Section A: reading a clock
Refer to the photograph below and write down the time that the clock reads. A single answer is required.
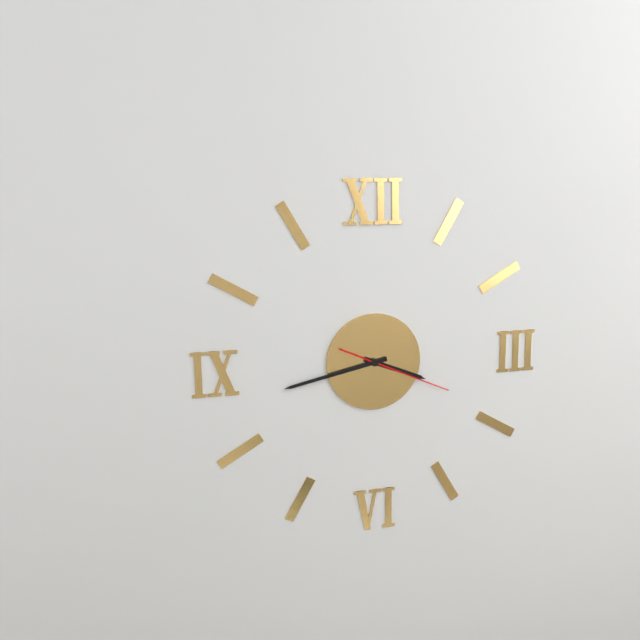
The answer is 3:43:19
